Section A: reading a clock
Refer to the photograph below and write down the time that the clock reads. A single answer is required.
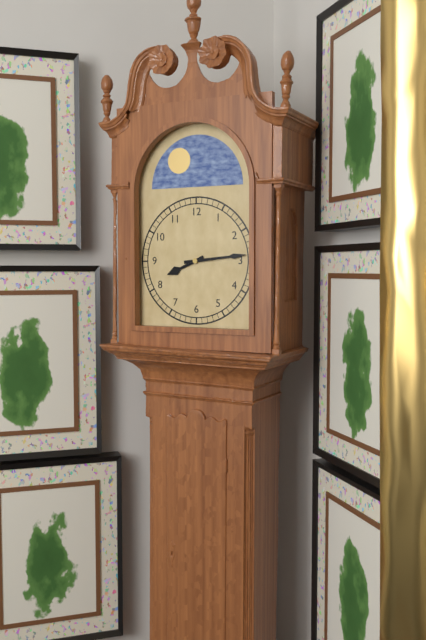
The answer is 8:14
